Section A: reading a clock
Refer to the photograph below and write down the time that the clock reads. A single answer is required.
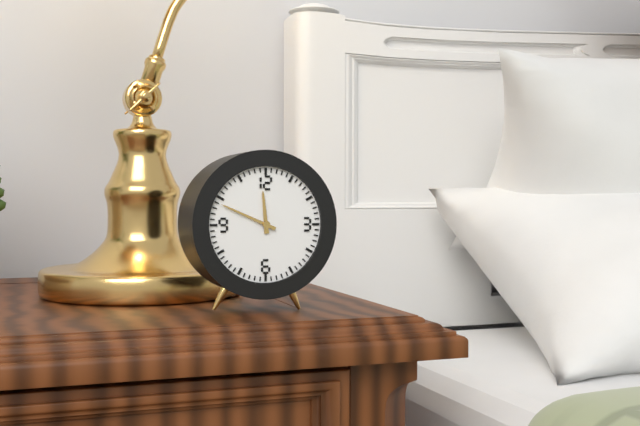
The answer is 11:49
